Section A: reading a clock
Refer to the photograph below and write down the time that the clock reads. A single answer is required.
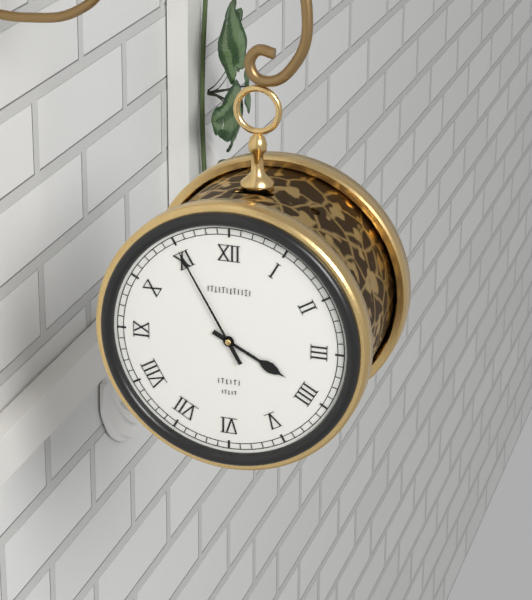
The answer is 3:55
